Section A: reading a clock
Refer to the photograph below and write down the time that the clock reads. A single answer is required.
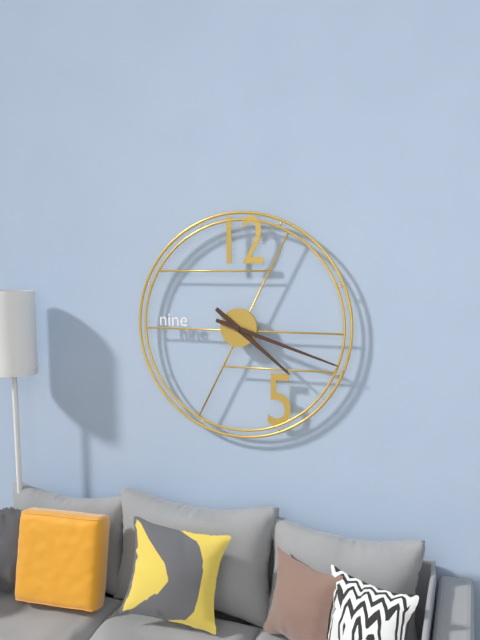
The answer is 4:18
